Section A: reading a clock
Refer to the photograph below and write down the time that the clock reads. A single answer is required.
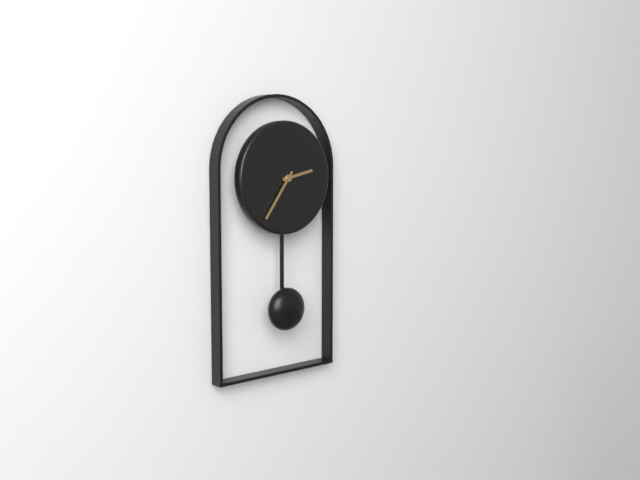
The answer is 2:36
